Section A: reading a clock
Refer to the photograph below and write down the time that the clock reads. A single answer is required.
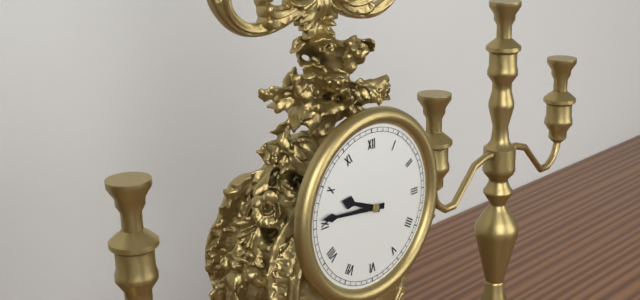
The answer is 9:46
